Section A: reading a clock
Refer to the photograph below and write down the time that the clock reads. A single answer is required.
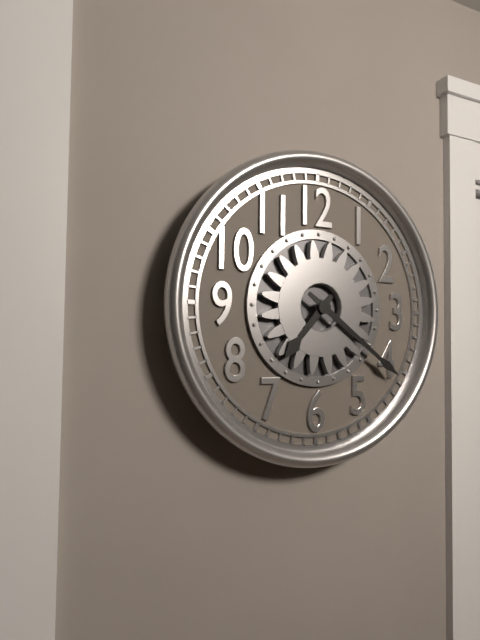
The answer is 7:21
